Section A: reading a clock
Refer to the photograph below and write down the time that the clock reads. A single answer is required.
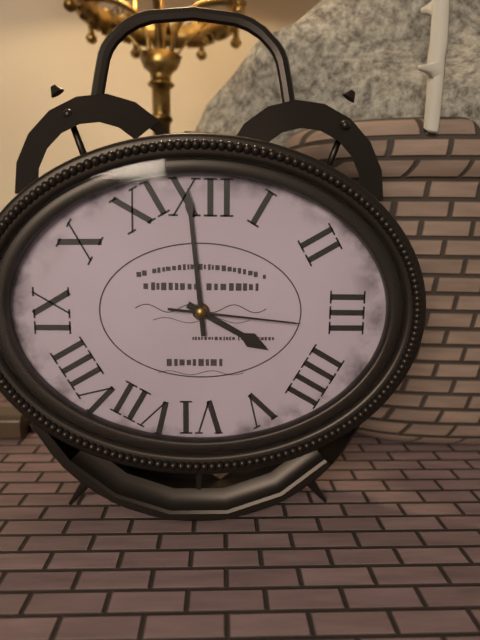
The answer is 3:59:16
